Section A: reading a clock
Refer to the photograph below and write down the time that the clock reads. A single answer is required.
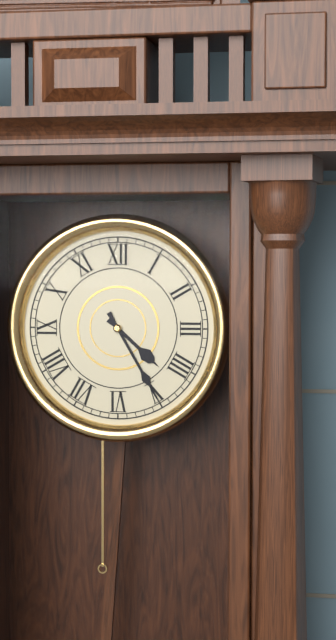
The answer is 4:25
